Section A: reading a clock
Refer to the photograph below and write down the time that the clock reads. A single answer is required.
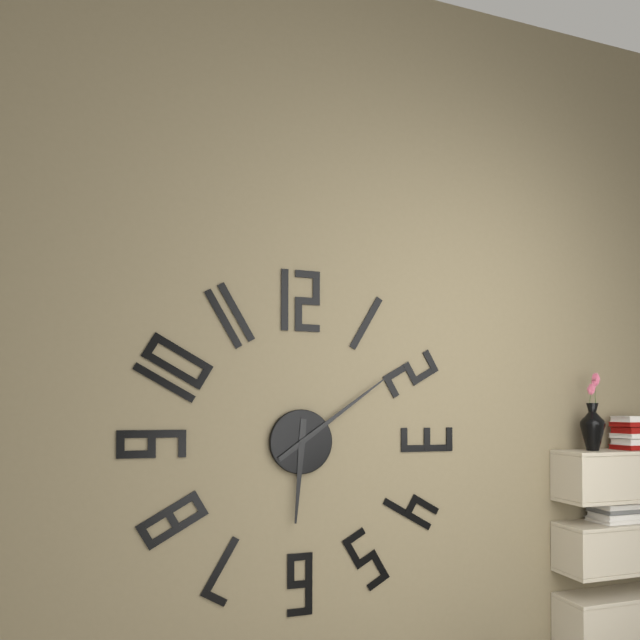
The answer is 6:09
